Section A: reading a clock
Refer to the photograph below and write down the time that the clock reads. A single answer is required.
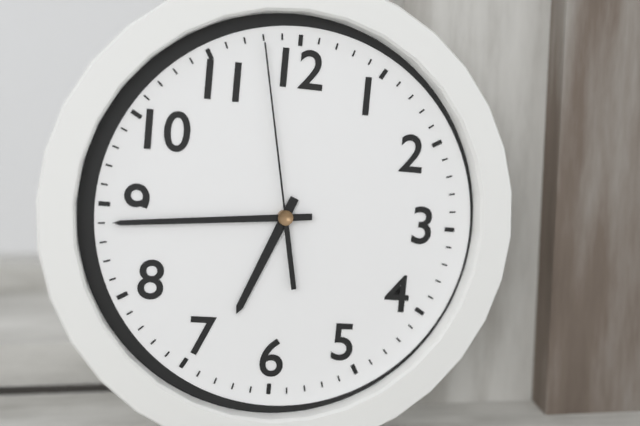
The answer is 6:44:58
